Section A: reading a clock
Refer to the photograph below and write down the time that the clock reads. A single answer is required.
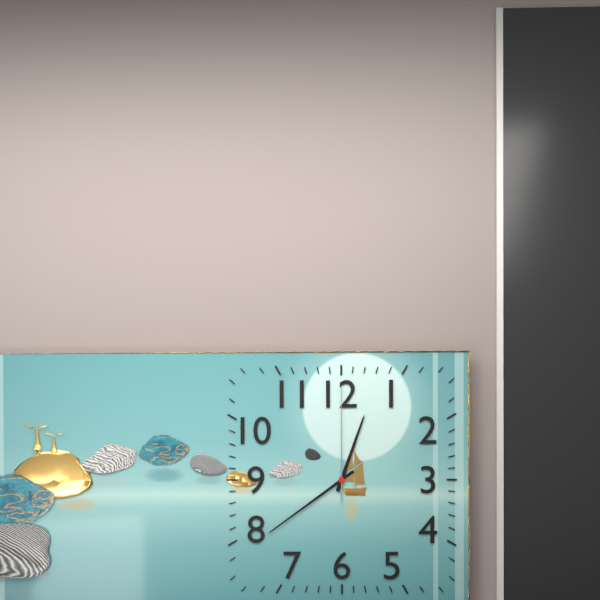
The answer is 12:39:00
